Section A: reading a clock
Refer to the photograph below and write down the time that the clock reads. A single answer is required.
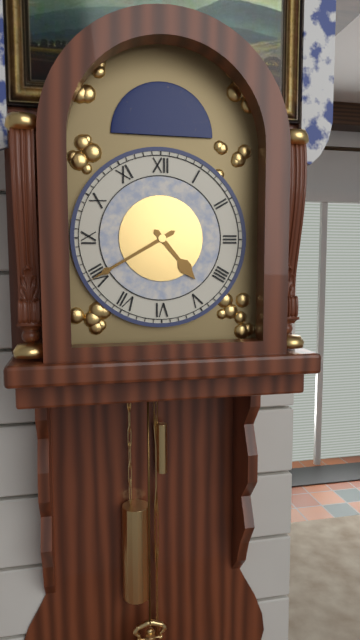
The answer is 4:40
